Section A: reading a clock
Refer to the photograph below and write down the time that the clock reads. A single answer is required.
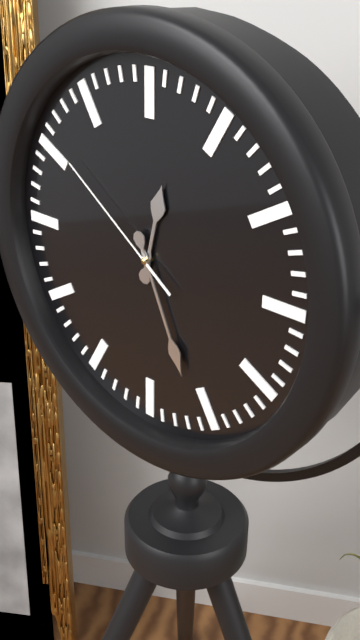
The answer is 12:26:51
